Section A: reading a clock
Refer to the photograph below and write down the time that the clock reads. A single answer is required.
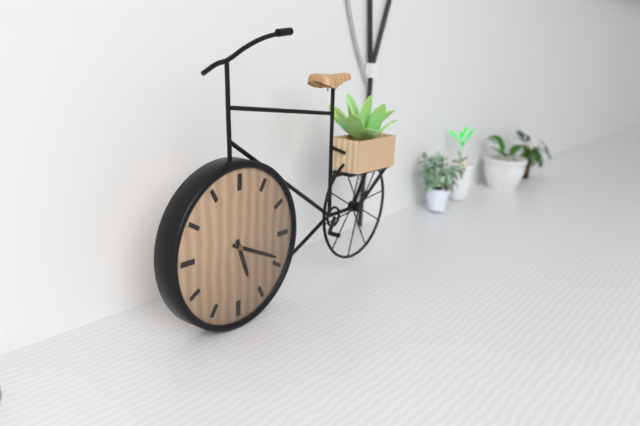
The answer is 5:19
